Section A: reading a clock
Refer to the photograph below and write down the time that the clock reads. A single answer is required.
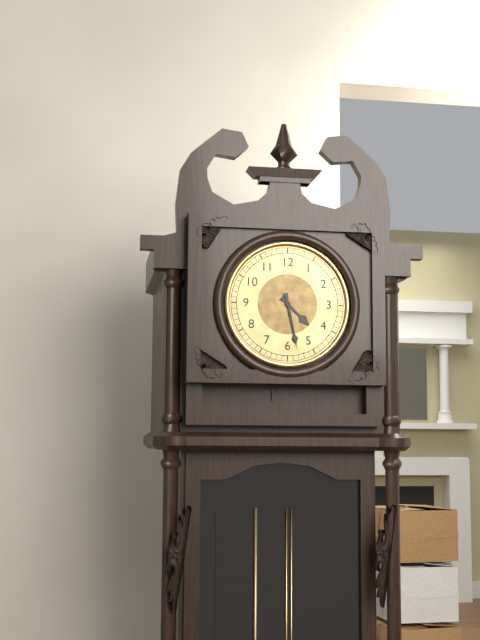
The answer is 4:28
